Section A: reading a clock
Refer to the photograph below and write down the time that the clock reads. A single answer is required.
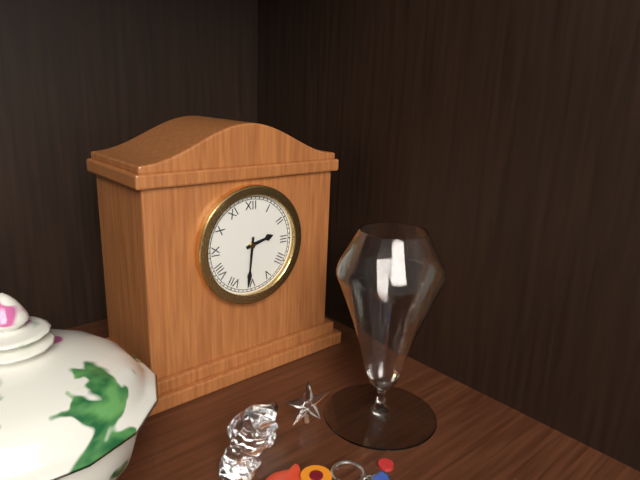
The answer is 2:31
